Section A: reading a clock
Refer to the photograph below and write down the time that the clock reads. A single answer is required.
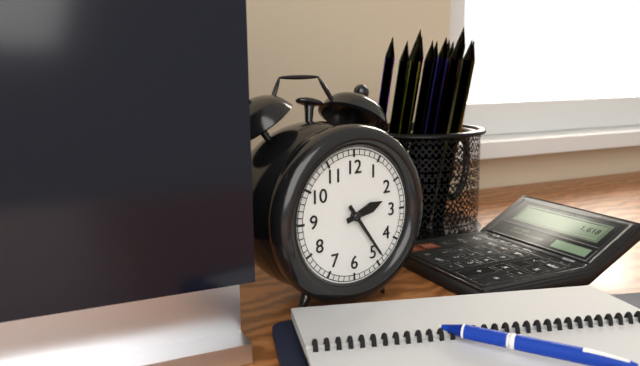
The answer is 2:24
